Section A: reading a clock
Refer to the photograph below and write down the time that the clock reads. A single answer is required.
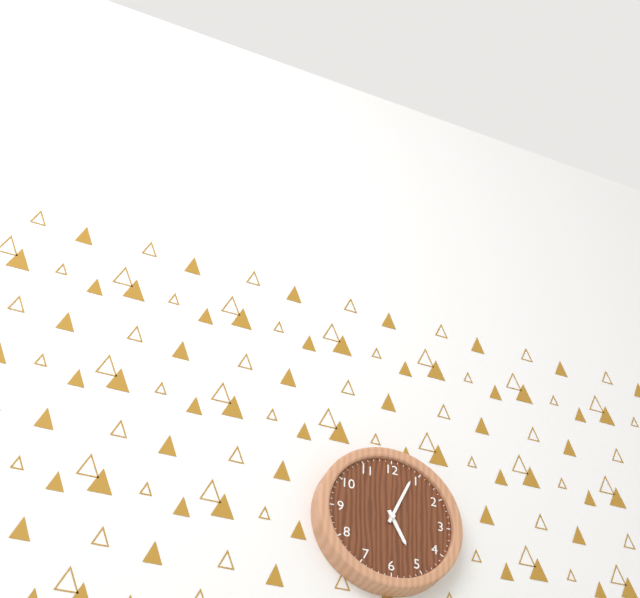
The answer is 5:04
